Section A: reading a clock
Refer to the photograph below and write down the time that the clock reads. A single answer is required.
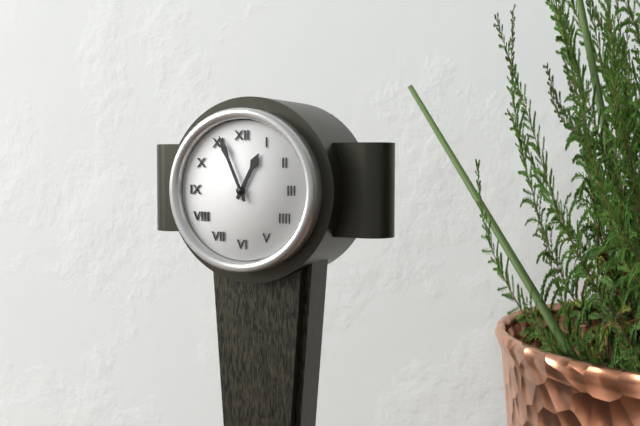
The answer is 12:56
